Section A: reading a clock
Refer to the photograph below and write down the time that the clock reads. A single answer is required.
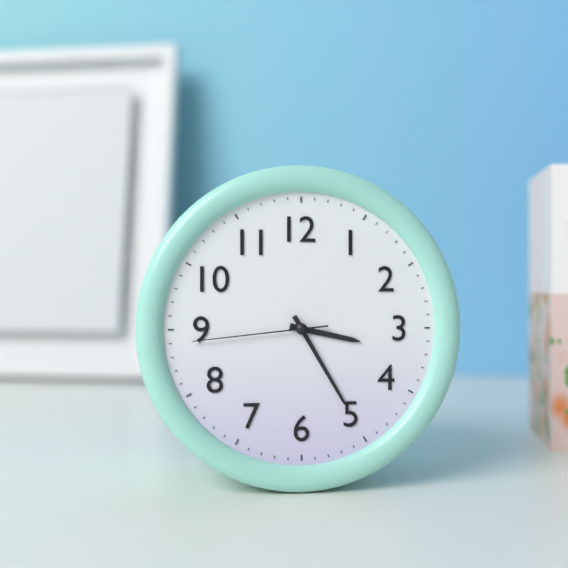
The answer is 3:25:44
